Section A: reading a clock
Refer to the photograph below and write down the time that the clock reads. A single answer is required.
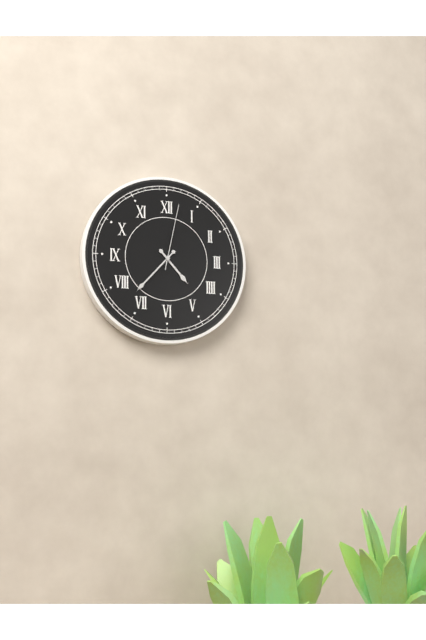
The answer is 4:37:02
